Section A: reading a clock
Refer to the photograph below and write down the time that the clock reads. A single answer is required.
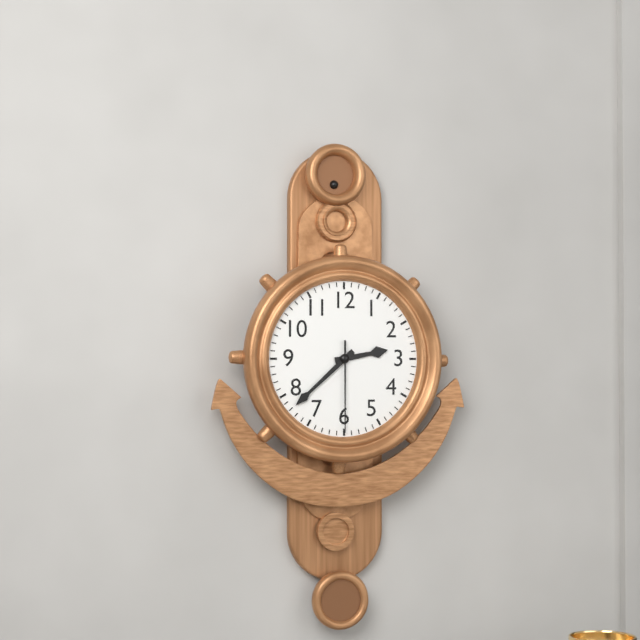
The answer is 2:38:30
